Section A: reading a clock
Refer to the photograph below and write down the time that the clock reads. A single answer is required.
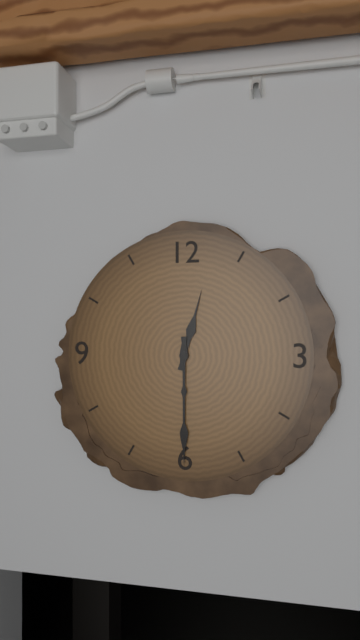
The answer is 12:30
